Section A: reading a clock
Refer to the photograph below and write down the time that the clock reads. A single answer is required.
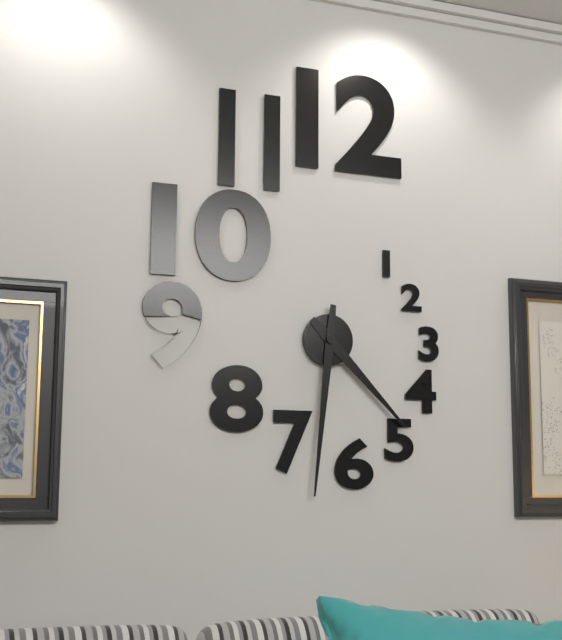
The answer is 4:31
